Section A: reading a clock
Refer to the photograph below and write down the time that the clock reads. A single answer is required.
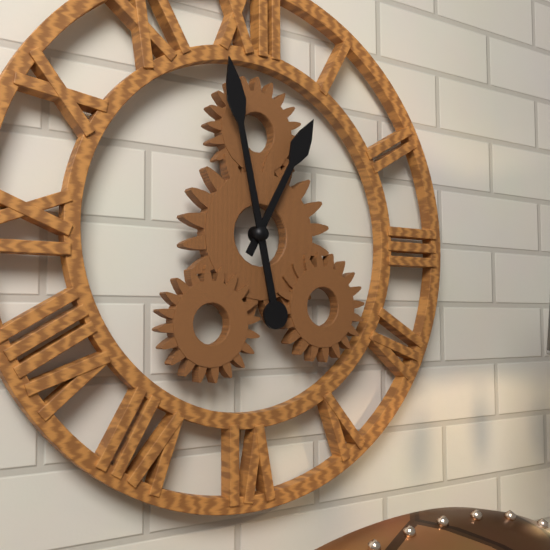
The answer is 12:58
